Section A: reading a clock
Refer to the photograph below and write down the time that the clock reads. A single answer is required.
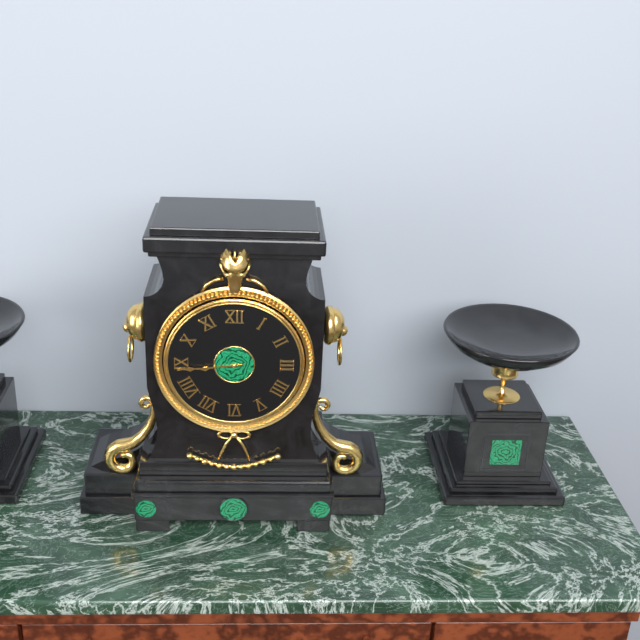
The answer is 8:44
